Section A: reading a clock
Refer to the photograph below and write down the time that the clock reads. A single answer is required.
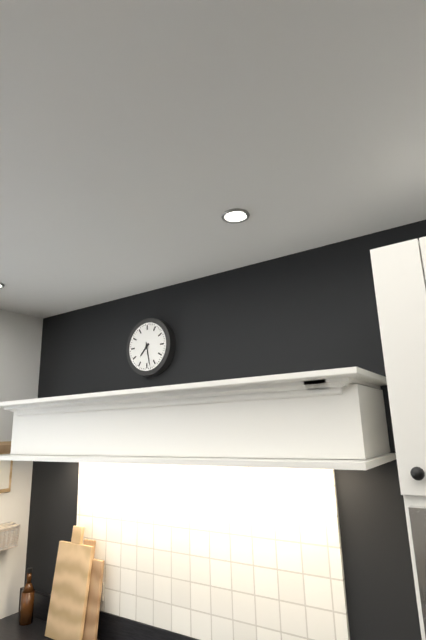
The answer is 7:28
